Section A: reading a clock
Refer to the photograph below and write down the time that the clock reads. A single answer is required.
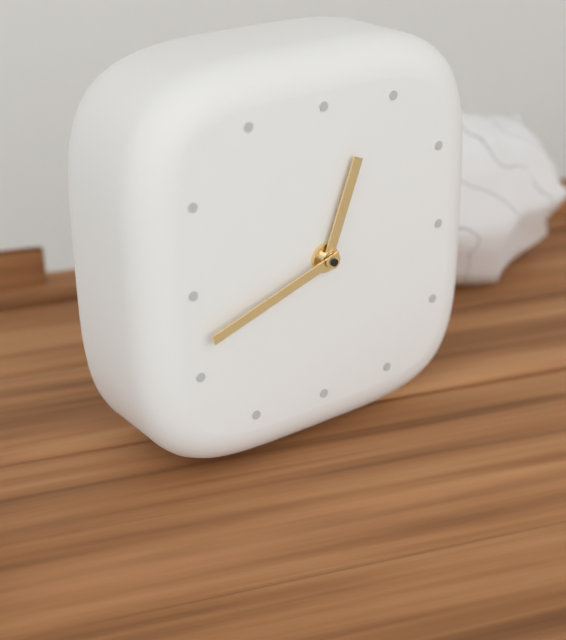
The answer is 12:42
